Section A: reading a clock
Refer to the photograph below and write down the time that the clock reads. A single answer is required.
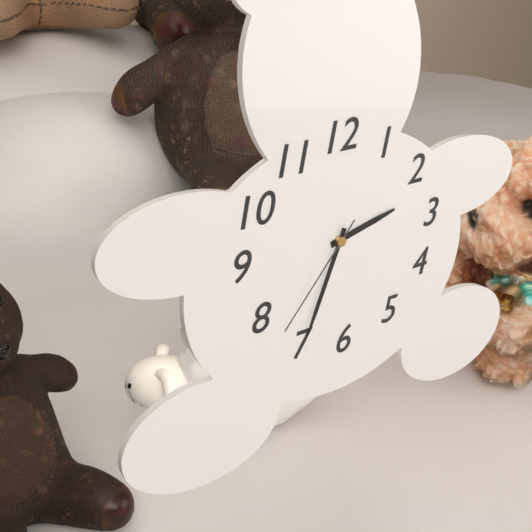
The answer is 2:34:37
